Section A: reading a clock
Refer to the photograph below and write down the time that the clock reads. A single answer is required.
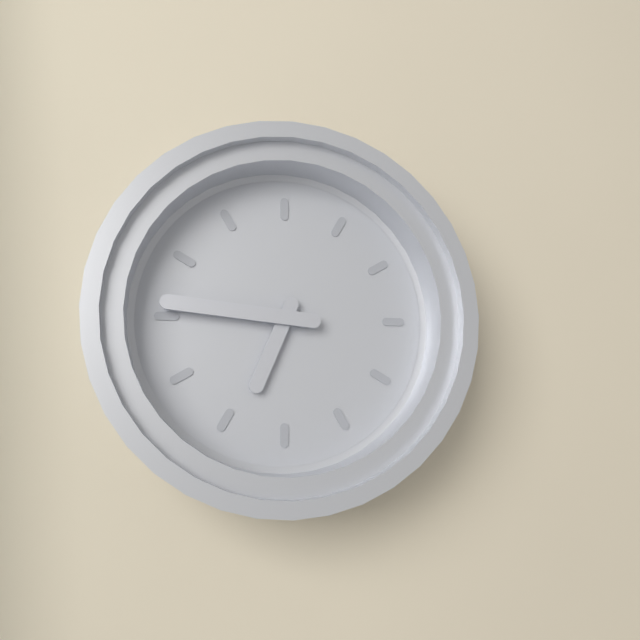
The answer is 6:46
